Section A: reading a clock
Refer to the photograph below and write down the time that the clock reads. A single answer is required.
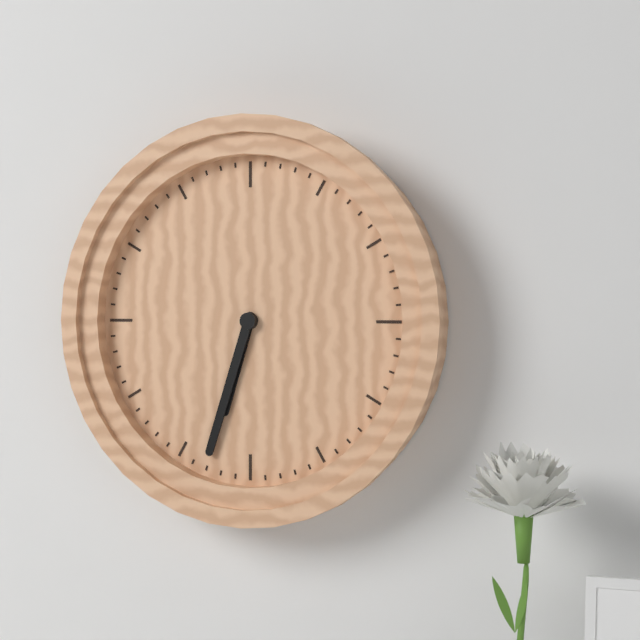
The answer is 6:33
